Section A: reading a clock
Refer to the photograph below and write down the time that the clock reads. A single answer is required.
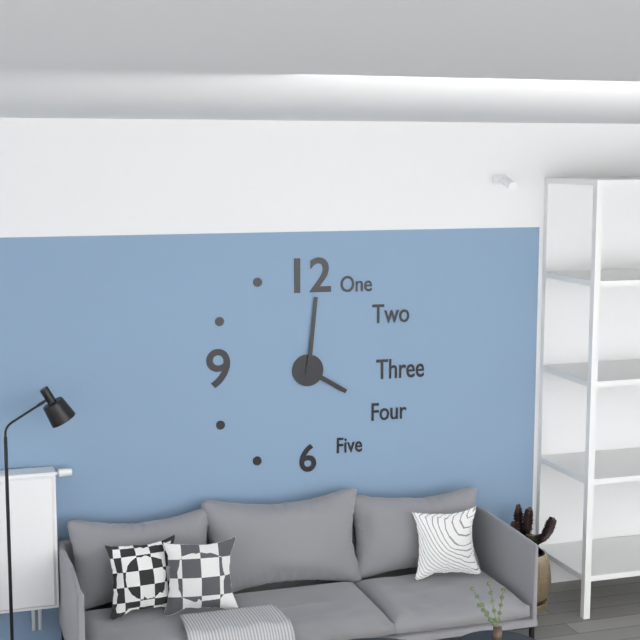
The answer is 4:01
